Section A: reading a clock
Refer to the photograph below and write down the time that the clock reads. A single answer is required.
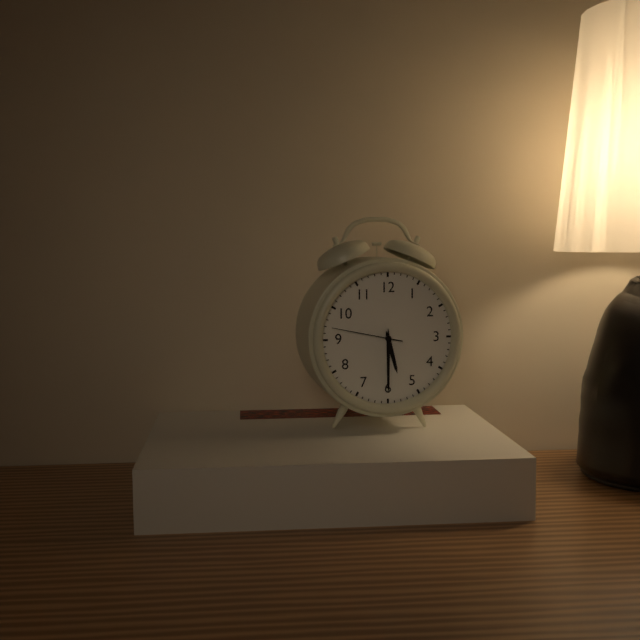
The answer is 5:30:47
